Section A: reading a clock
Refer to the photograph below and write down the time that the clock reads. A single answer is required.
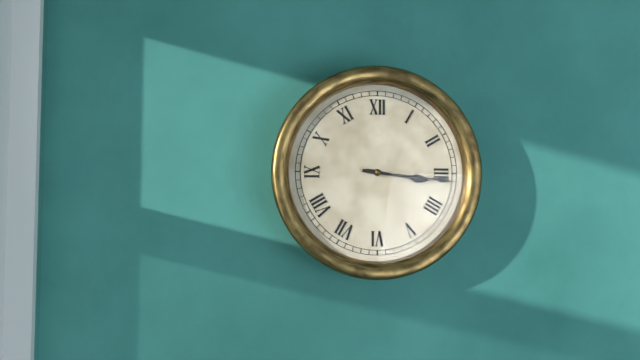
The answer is 3:16
